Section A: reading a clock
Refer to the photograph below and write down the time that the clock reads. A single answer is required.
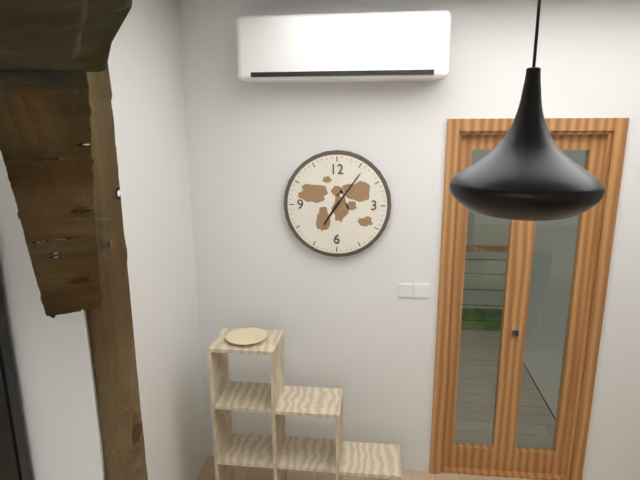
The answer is 7:06
